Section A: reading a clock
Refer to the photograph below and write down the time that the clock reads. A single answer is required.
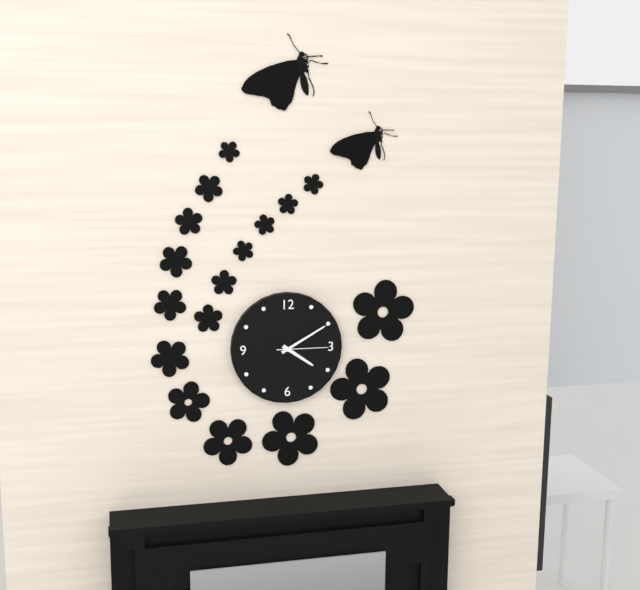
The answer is 4:10:15
